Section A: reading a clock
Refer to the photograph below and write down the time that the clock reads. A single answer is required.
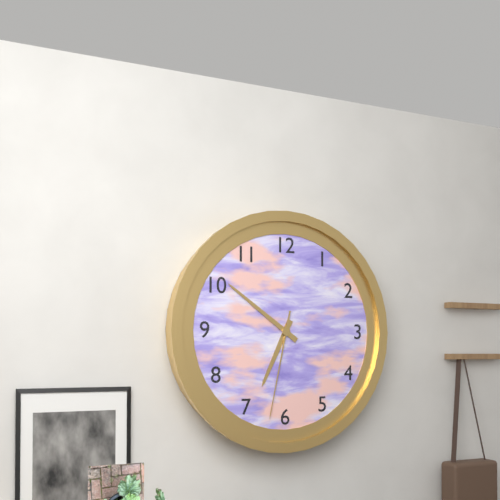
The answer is 6:51:32
